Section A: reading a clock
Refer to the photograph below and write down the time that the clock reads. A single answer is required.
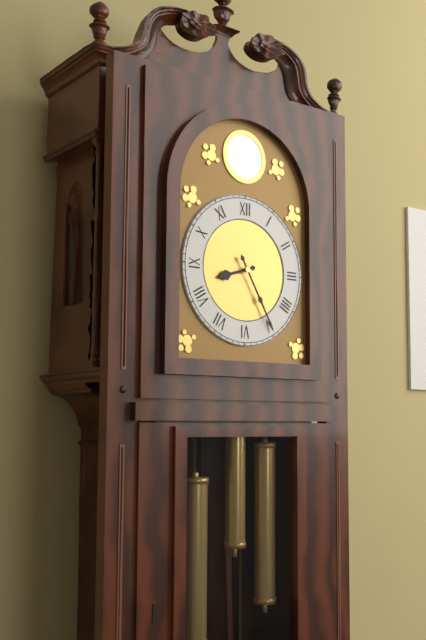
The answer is 8:25
